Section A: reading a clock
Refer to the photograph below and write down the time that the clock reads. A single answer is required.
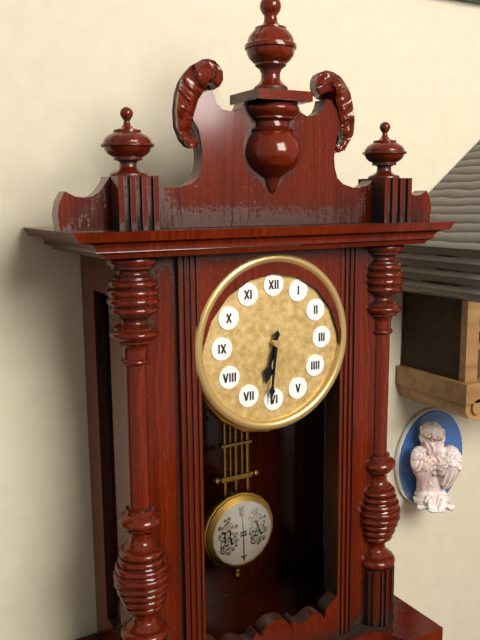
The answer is 6:31
